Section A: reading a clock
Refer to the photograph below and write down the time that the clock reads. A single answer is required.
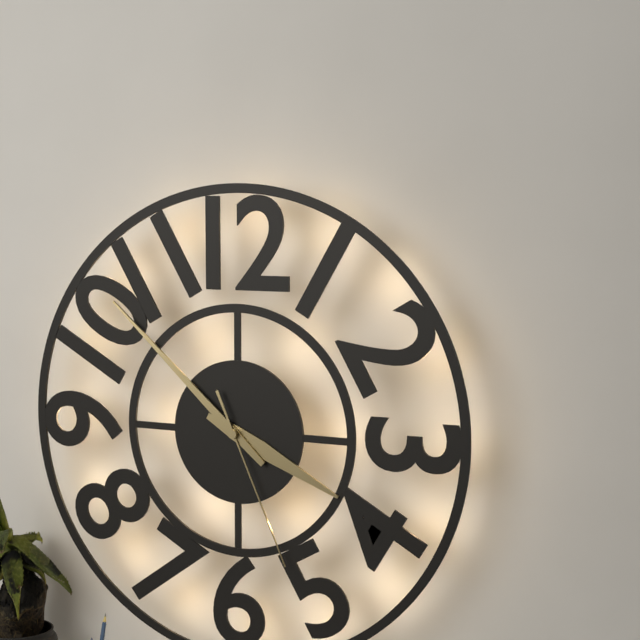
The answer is 3:52:26
